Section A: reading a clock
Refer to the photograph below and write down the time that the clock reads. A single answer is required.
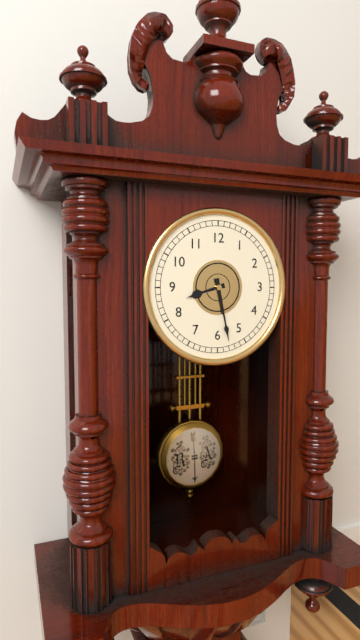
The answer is 8:28
